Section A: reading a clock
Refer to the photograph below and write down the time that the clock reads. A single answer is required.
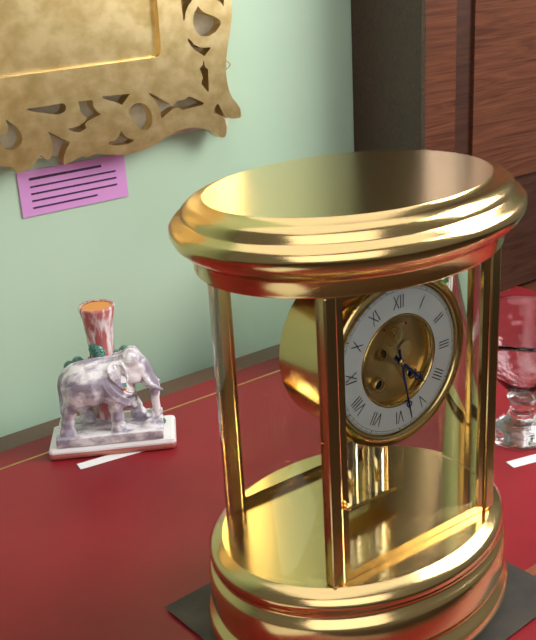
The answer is 4:28
